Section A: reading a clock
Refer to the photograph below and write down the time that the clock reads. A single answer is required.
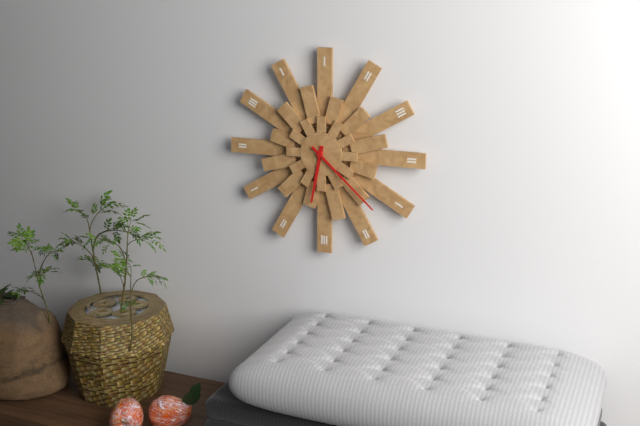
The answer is 6:22
